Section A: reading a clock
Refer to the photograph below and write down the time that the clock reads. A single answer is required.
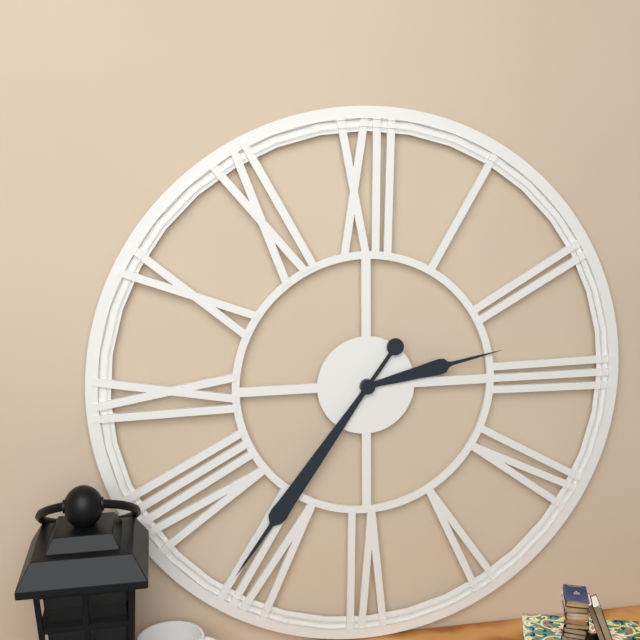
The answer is 2:36
